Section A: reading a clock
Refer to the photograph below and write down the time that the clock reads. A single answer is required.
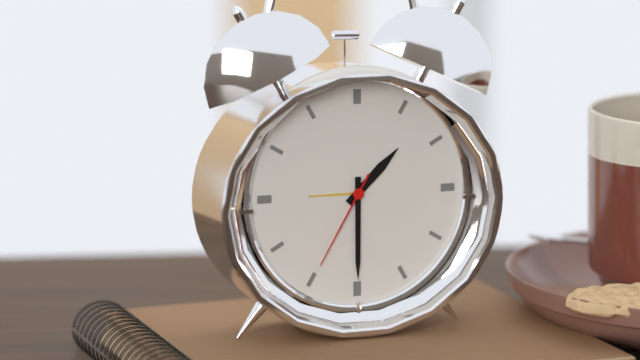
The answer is 1:30:35
